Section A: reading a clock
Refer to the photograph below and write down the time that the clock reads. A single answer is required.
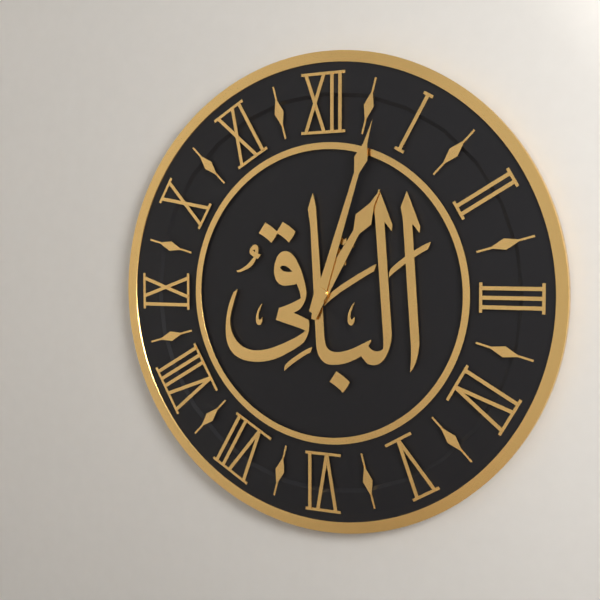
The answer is 1:03
